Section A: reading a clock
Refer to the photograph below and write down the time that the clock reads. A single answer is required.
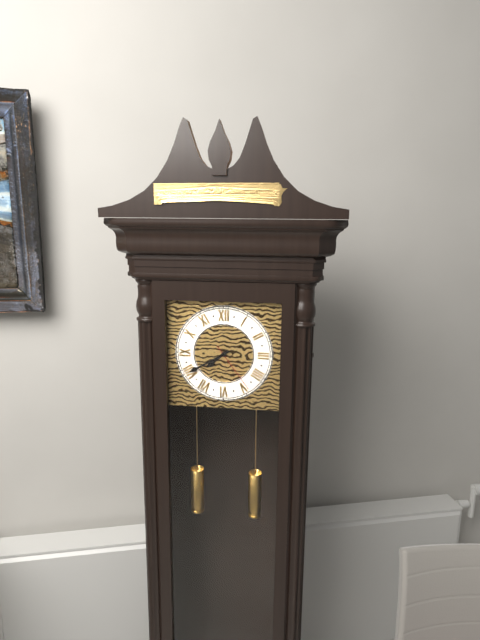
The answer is 7:40:24
